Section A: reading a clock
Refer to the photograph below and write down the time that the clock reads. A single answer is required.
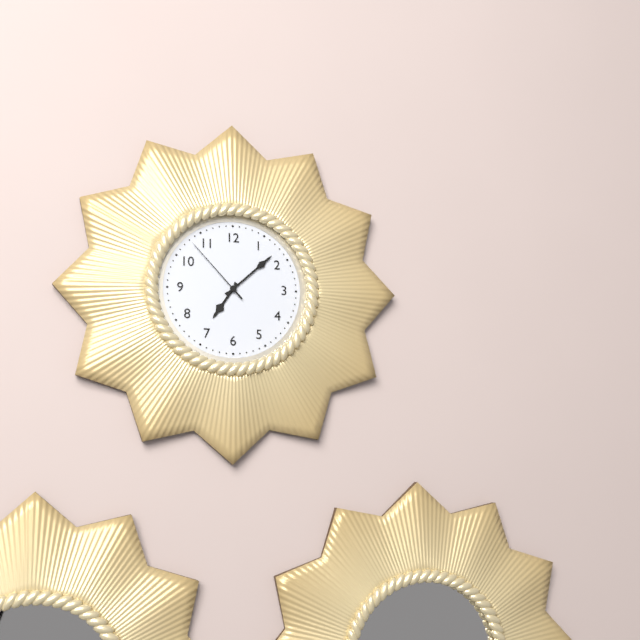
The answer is 7:08:53
